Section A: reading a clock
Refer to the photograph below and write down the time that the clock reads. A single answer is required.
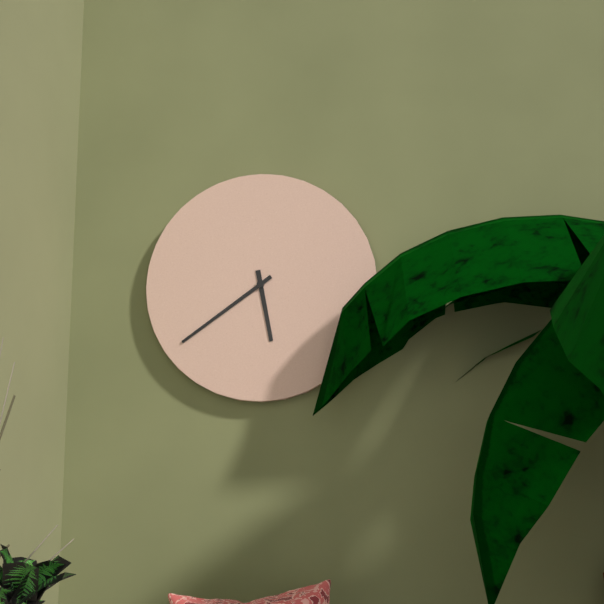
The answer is 5:39
